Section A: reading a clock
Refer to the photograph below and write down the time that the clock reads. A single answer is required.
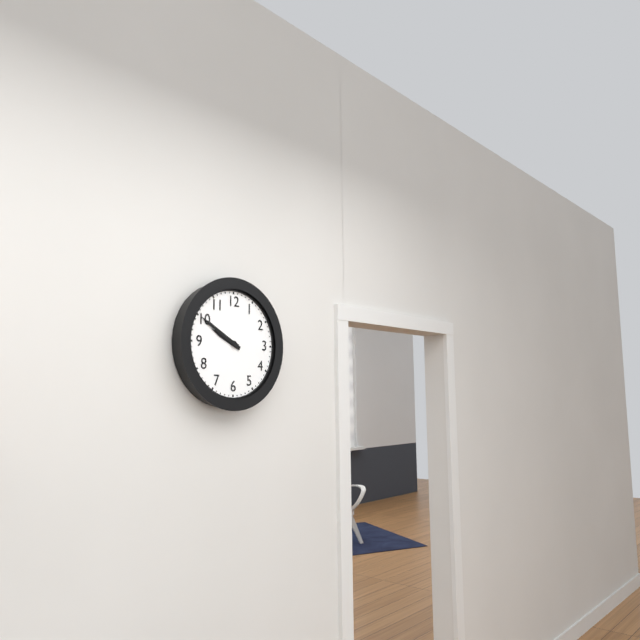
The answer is 9:50
